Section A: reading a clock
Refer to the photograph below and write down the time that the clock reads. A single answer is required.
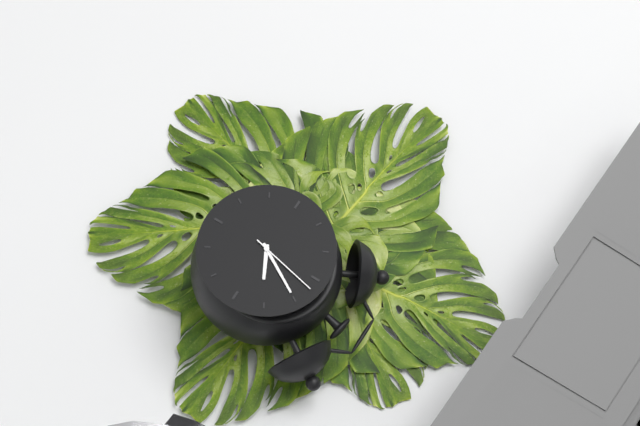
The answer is 2:05:02
